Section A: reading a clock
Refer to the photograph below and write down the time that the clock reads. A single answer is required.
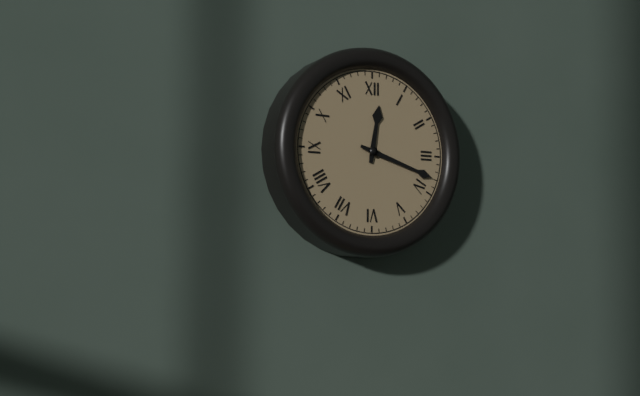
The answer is 12:18
